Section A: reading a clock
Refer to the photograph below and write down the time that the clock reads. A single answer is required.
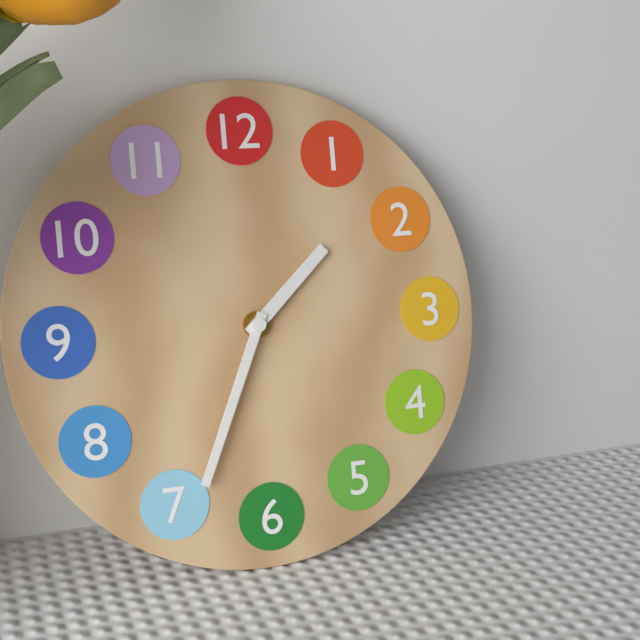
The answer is 1:34
